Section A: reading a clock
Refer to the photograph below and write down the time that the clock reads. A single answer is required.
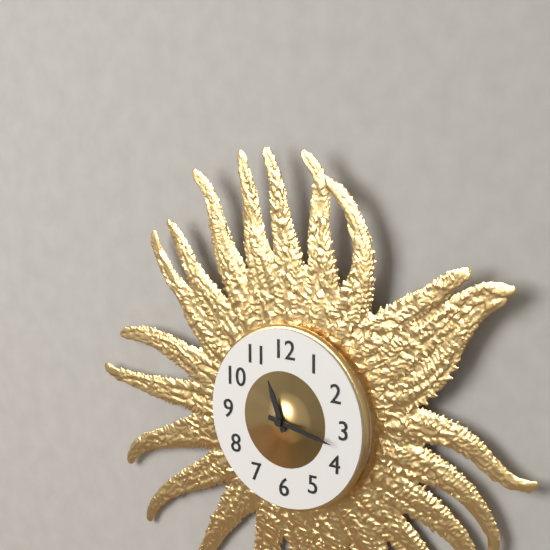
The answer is 11:17
